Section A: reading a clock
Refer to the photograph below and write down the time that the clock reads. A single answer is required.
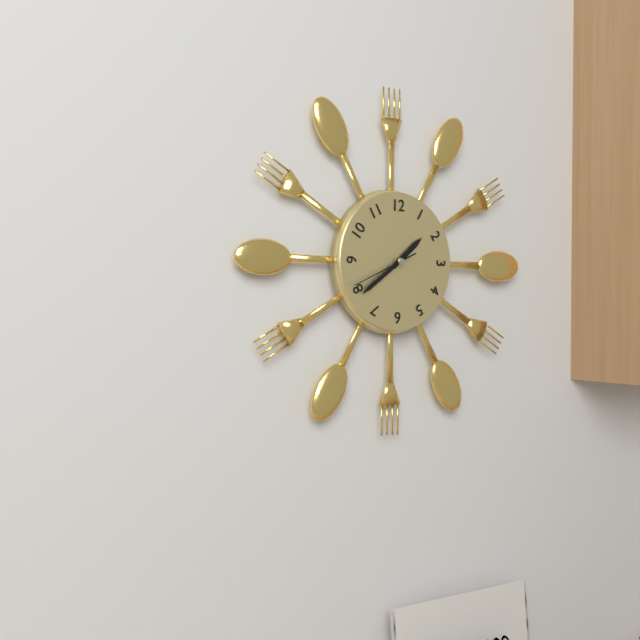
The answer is 1:39:41
